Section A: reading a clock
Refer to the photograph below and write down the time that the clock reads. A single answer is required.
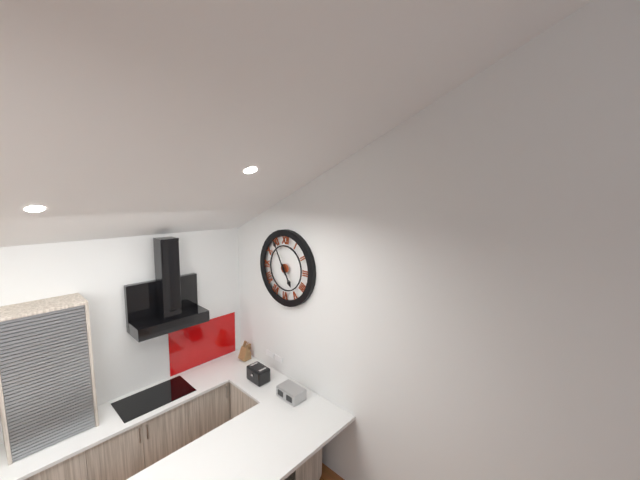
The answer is 4:55
